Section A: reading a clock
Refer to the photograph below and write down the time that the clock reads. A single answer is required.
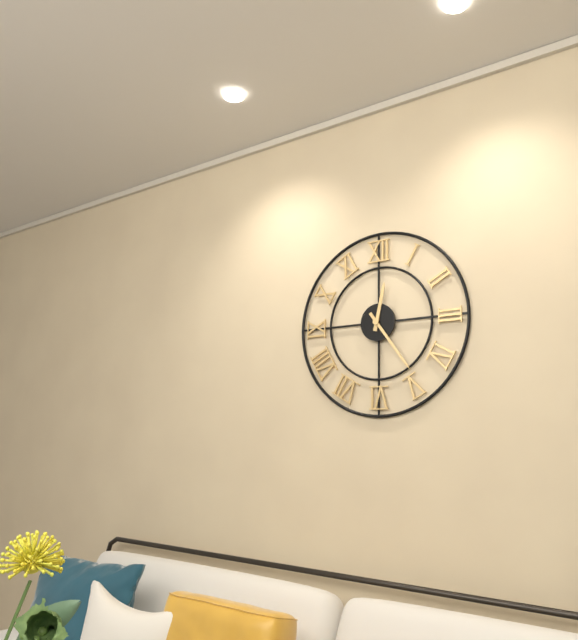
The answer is 12:24
